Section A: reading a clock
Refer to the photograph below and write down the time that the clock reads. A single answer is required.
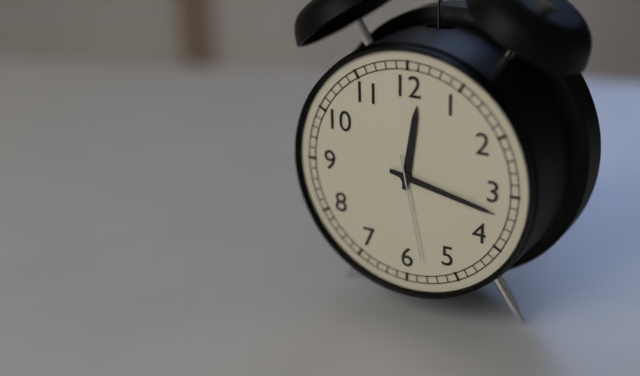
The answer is 12:17:28
